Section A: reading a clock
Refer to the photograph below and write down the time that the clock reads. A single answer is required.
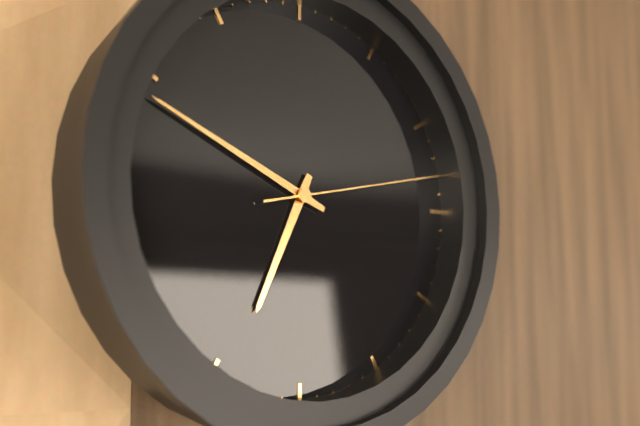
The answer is 6:49:13
